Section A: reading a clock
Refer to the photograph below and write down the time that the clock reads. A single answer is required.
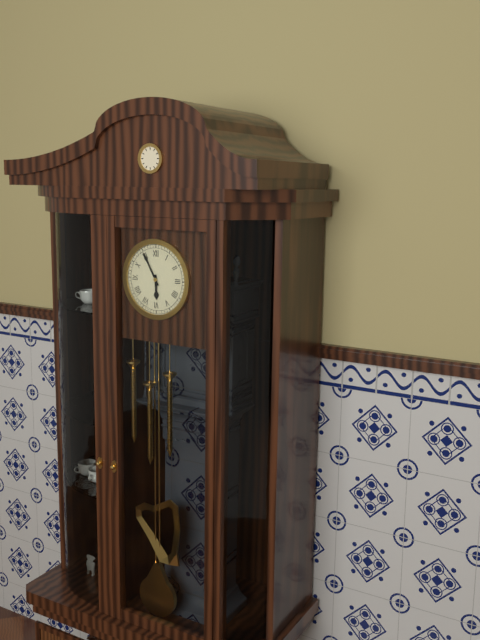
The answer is 5:55
